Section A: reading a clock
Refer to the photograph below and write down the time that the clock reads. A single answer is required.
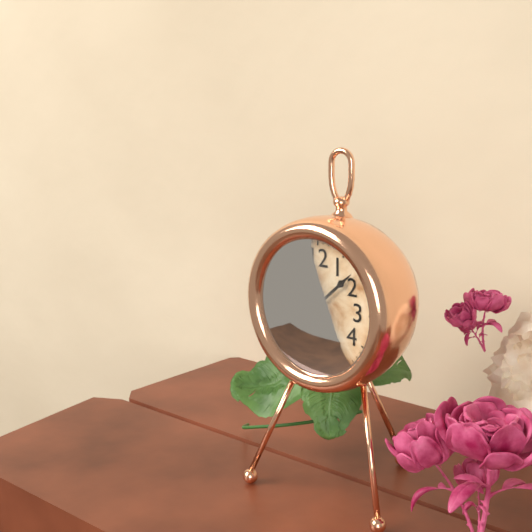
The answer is 9:08
